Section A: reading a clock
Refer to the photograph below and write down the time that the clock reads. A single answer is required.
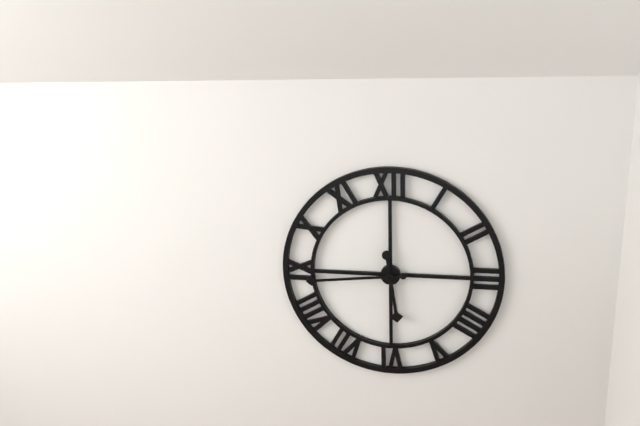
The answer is 5:44
